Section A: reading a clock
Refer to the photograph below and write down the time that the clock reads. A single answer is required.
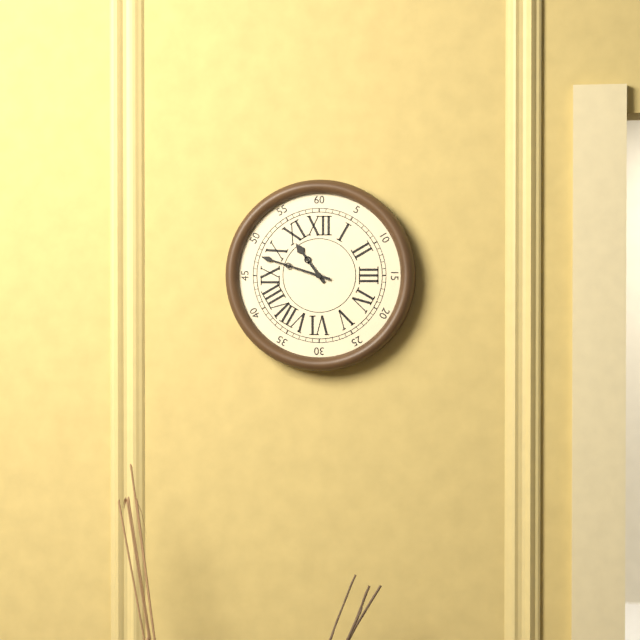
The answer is 10:48
